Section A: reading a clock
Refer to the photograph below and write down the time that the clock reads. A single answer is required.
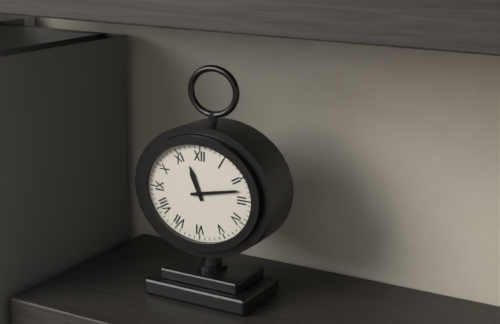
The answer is 11:13
